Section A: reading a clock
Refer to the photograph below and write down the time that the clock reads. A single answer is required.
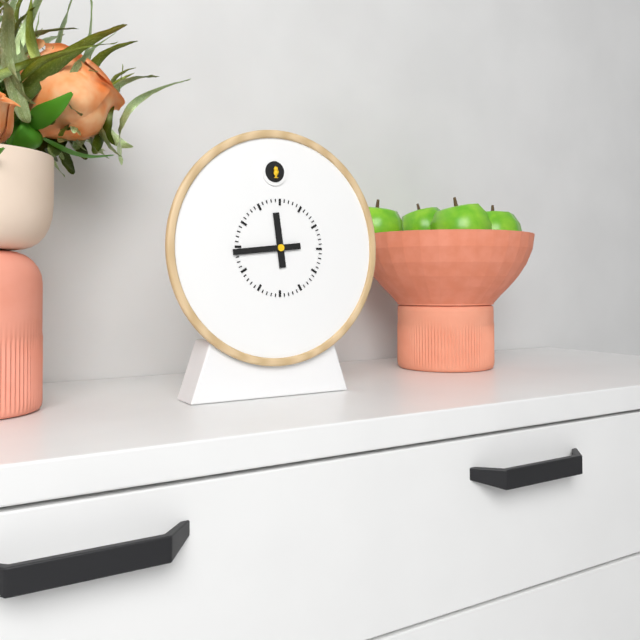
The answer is 11:44
